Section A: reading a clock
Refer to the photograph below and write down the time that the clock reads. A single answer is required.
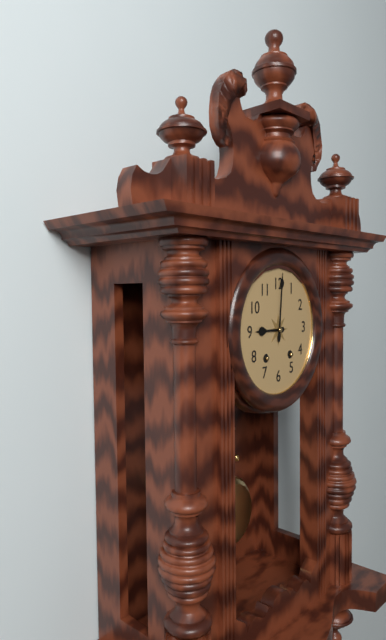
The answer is 9:01
